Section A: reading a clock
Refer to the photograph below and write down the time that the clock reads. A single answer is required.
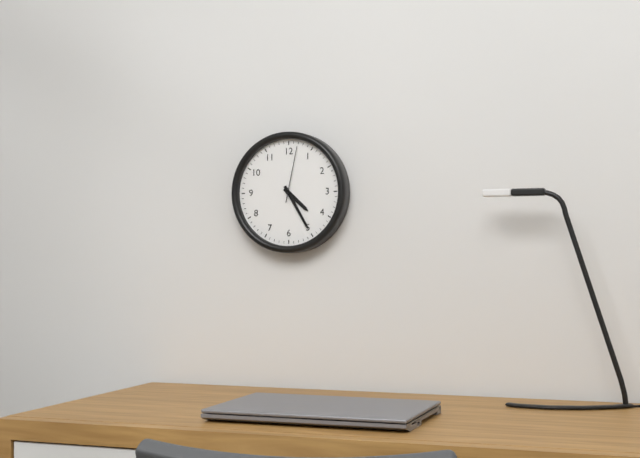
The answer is 4:25:02
